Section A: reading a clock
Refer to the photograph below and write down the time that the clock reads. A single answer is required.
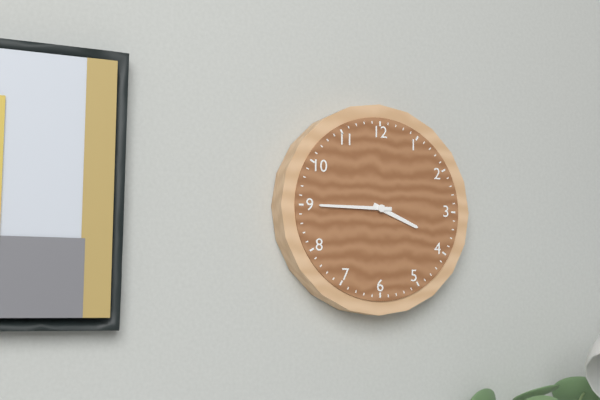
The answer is 3:45
